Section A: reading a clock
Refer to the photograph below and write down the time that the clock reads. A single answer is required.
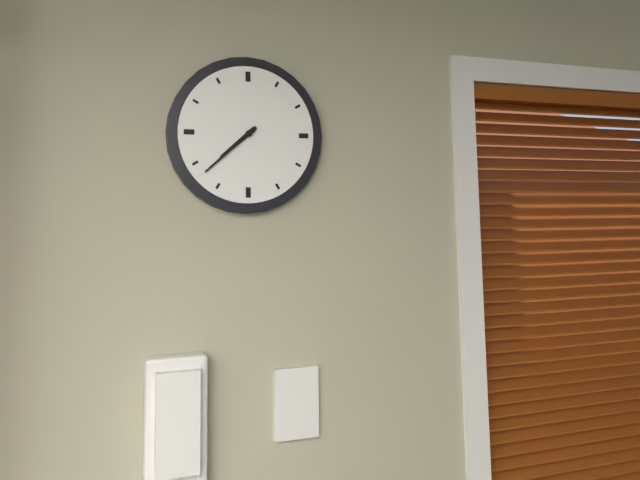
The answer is 7:38
